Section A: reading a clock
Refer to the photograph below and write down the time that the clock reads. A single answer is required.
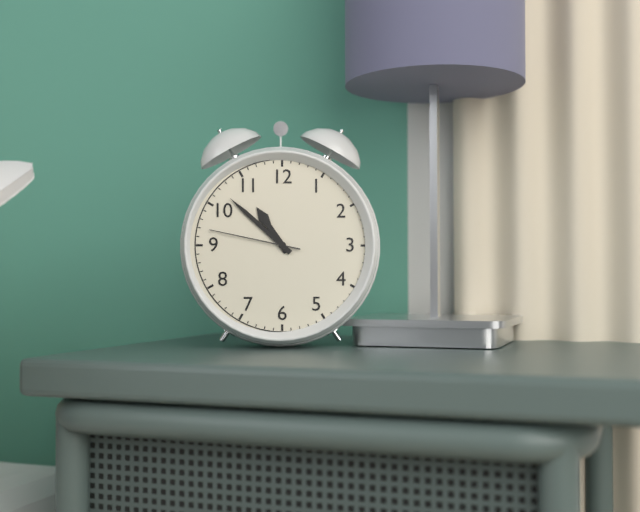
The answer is 10:52:47
